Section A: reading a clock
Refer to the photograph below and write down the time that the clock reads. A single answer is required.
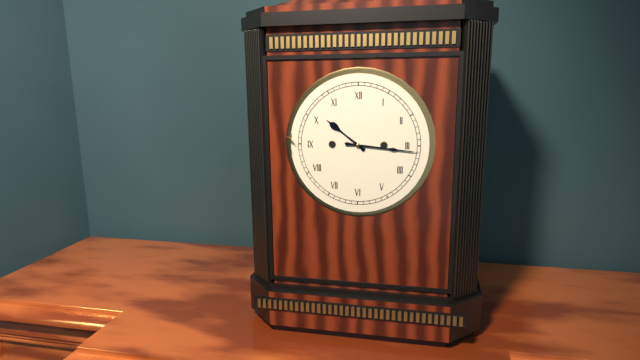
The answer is 10:16
